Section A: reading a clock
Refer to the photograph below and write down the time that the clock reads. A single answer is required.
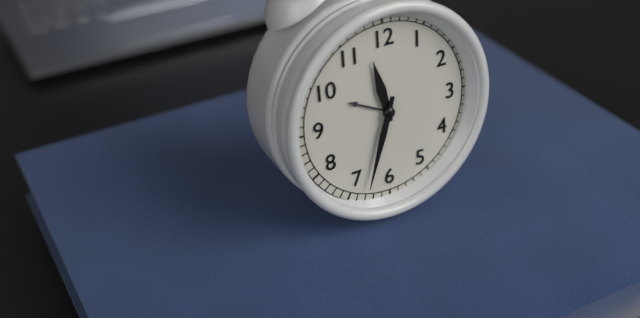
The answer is 11:33
